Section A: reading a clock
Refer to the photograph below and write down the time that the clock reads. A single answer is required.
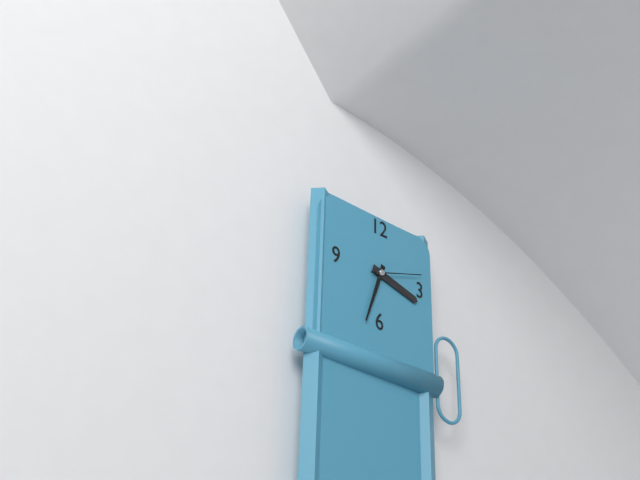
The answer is 3:33
